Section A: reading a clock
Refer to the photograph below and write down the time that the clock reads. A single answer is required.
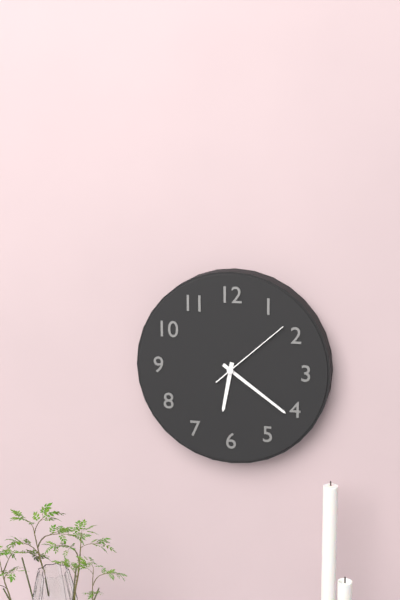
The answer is 6:21:08
